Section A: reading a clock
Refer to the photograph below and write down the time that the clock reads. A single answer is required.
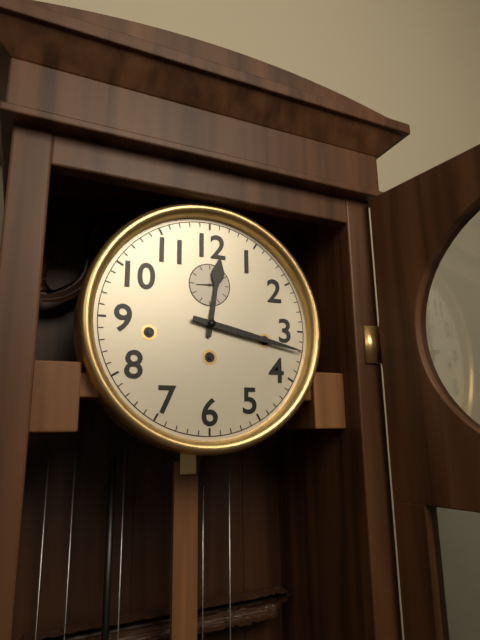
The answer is 12:17
